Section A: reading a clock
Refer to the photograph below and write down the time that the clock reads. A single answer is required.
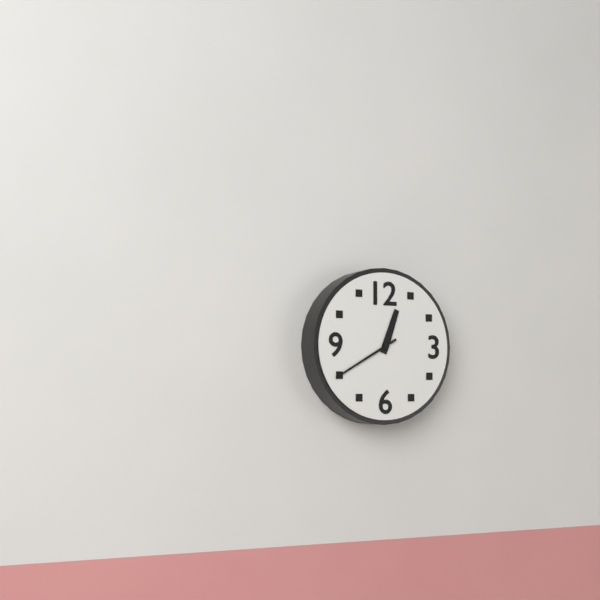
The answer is 12:40
